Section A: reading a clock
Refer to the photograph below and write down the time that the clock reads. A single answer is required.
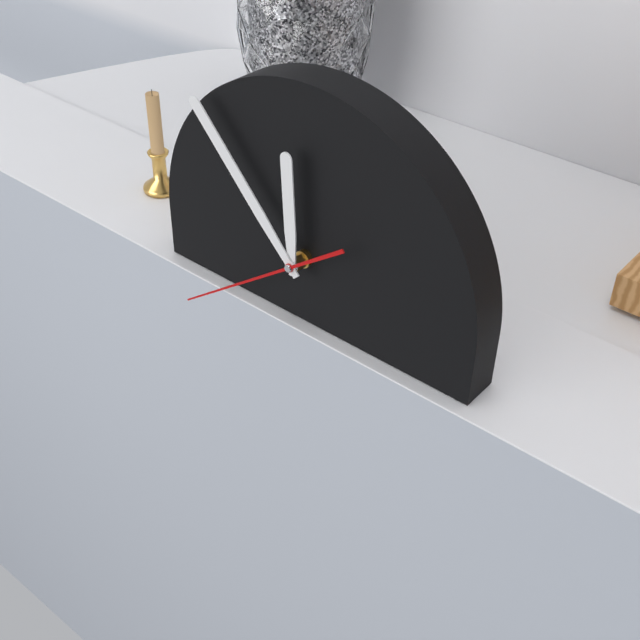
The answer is 11:53:39
